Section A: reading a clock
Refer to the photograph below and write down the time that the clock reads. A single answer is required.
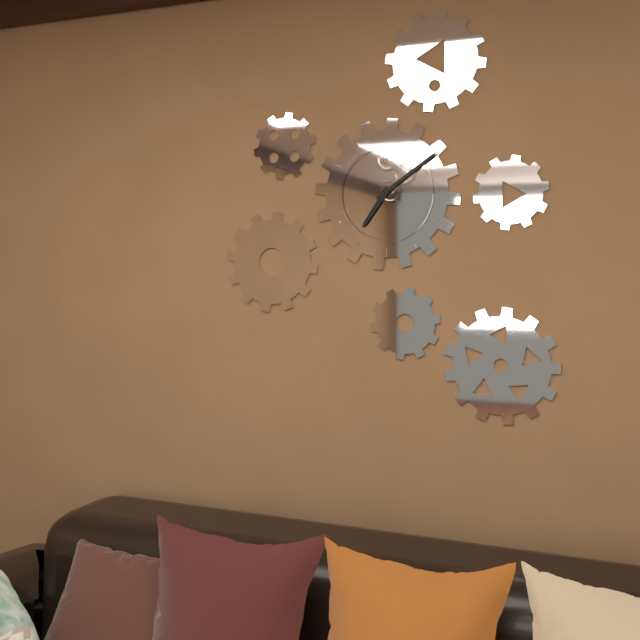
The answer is 7:09
